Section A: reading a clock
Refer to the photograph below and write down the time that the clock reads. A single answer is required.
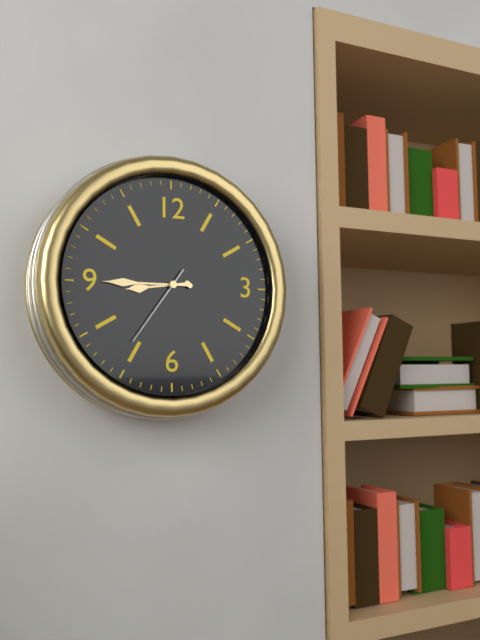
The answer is 8:45:36
